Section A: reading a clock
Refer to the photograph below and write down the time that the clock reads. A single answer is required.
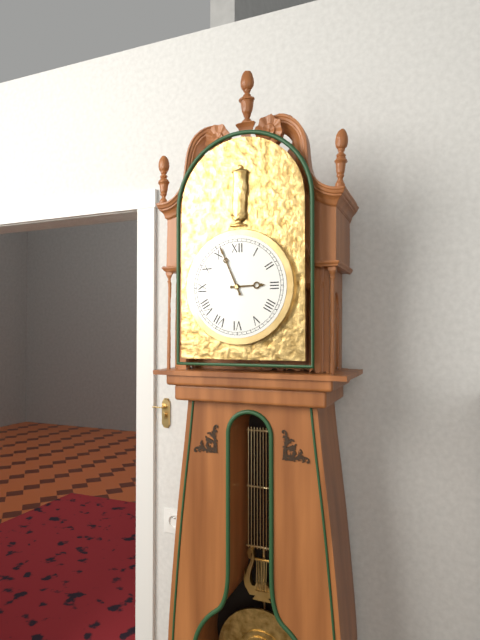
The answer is 2:56
